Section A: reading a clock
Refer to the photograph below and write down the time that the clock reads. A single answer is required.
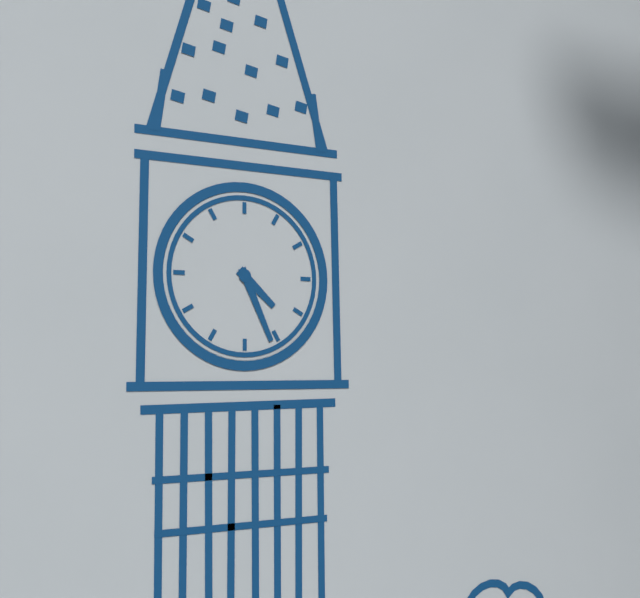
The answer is 4:26
